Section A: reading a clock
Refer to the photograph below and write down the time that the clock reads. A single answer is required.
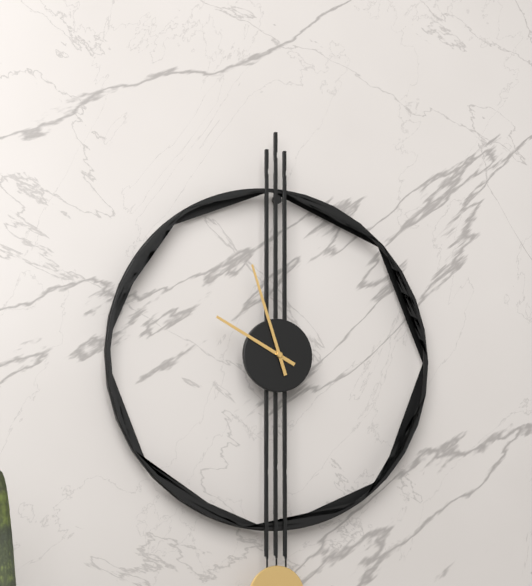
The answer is 9:57
